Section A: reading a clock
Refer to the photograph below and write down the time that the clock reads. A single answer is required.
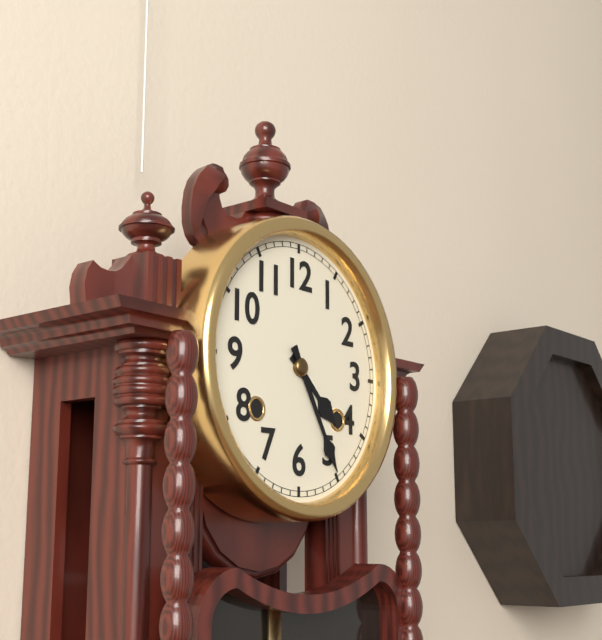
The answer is 4:25
